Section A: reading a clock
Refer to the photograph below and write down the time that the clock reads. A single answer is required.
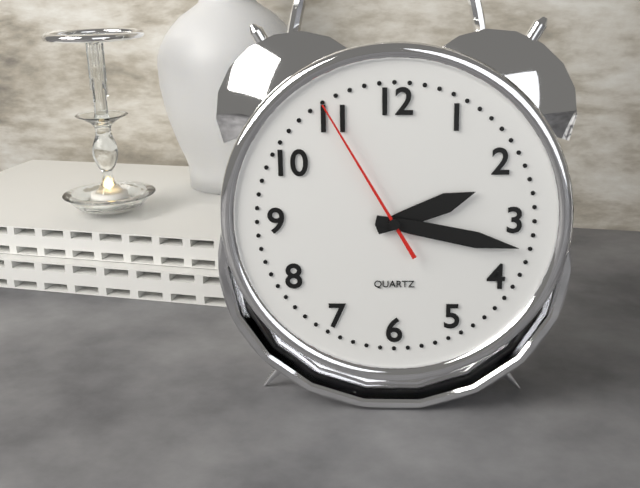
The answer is 2:17:55
